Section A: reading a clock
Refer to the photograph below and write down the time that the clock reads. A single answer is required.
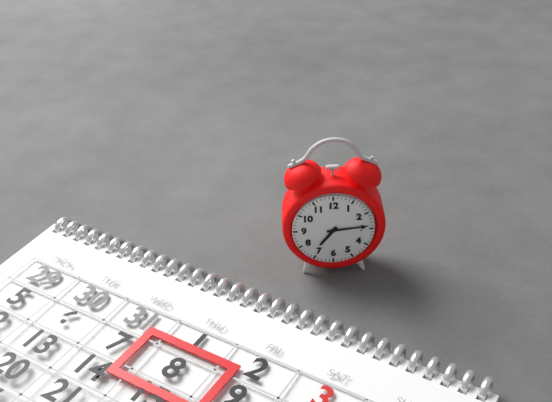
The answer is 7:14
